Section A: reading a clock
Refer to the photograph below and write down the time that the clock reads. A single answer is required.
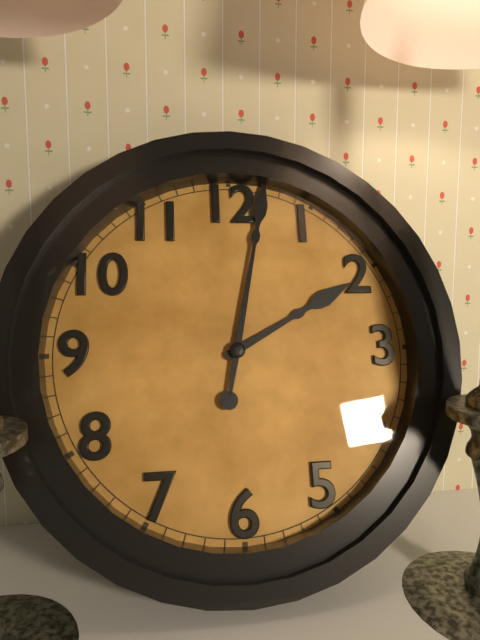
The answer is 2:02
